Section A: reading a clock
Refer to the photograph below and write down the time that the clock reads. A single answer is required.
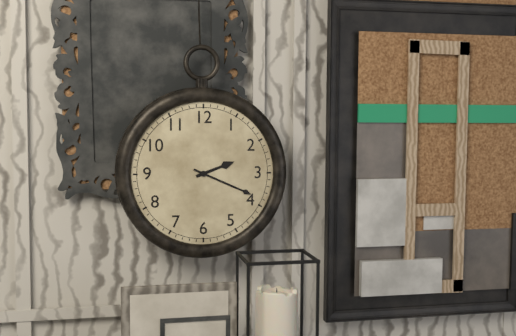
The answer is 2:19
